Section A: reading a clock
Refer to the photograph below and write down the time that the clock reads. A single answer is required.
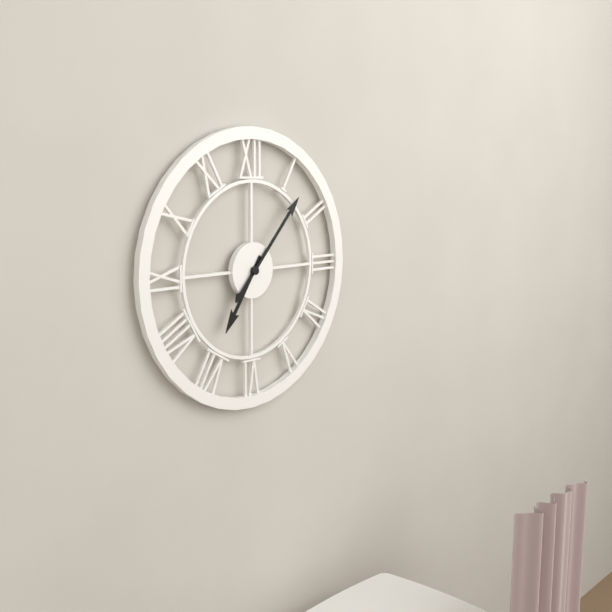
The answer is 7:07
